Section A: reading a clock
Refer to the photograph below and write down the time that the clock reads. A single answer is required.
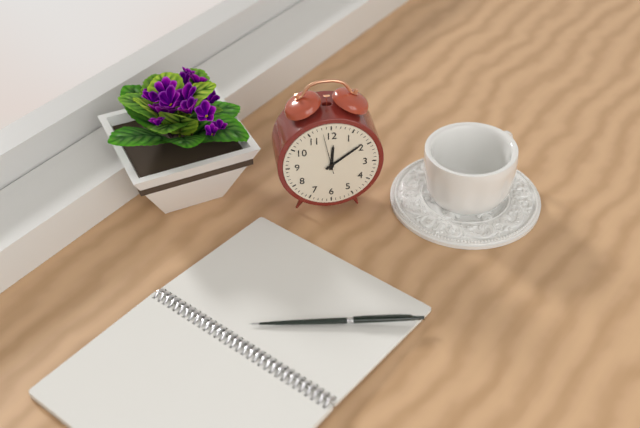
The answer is 12:09
